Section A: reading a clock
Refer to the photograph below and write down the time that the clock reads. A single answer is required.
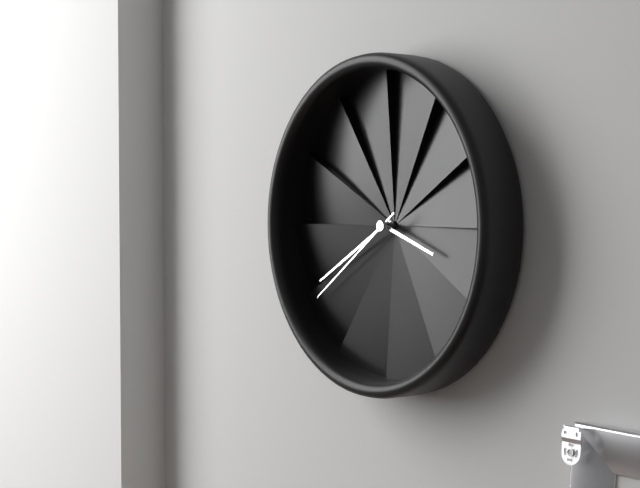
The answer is 3:40:39
